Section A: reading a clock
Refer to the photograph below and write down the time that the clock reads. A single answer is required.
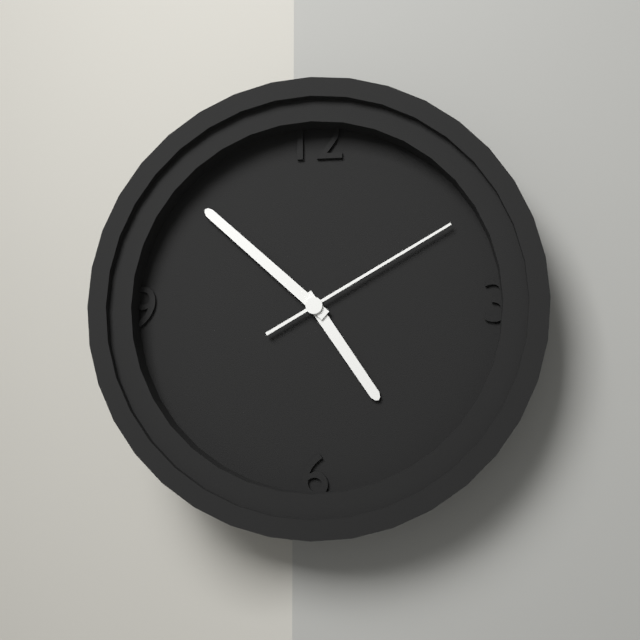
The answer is 4:52:10
